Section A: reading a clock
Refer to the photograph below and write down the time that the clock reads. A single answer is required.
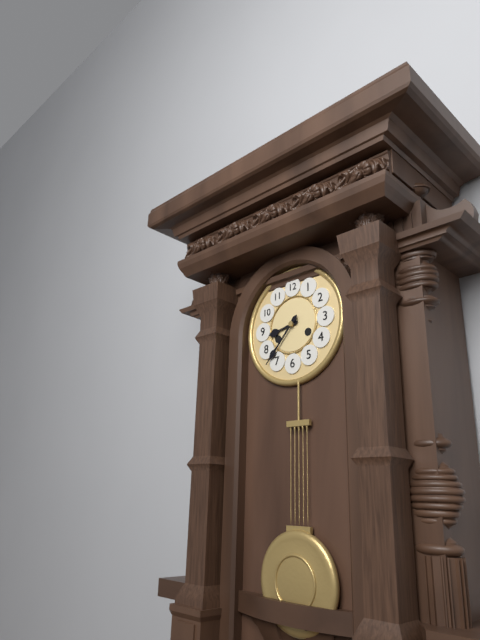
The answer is 8:37
